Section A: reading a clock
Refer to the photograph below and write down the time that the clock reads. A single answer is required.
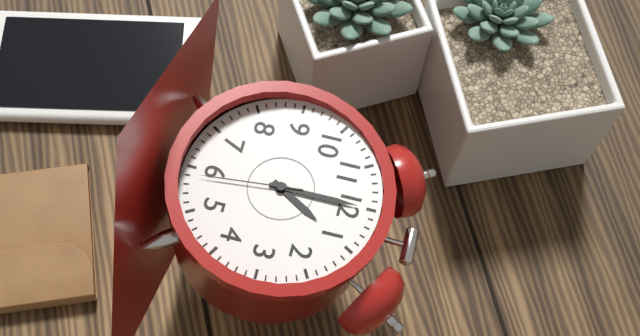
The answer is 1:00:29
